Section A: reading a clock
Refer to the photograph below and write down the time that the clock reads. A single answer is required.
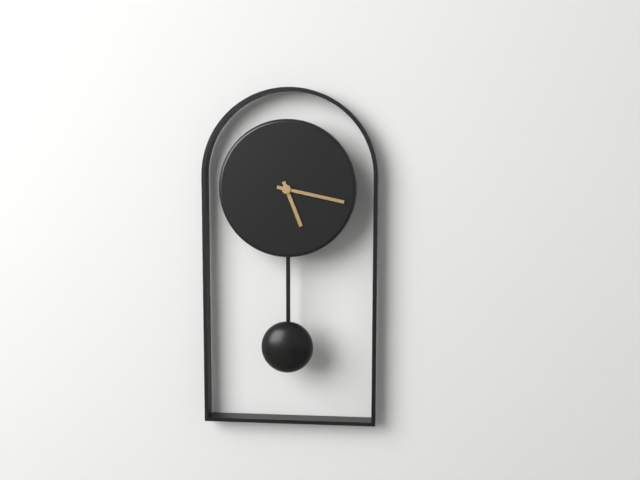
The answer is 5:17
